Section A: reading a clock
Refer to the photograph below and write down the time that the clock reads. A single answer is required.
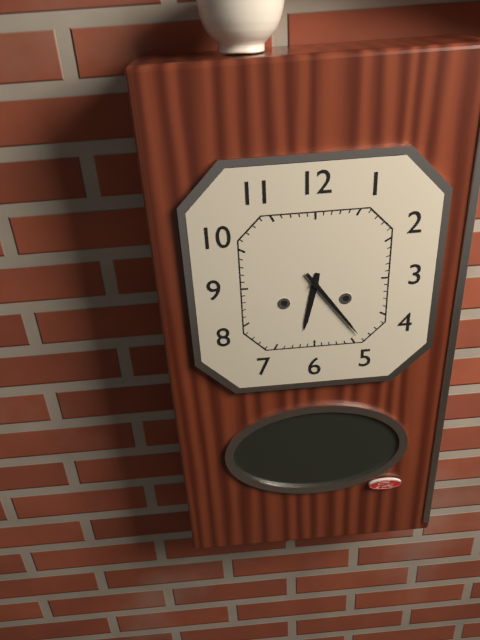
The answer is 6:24
